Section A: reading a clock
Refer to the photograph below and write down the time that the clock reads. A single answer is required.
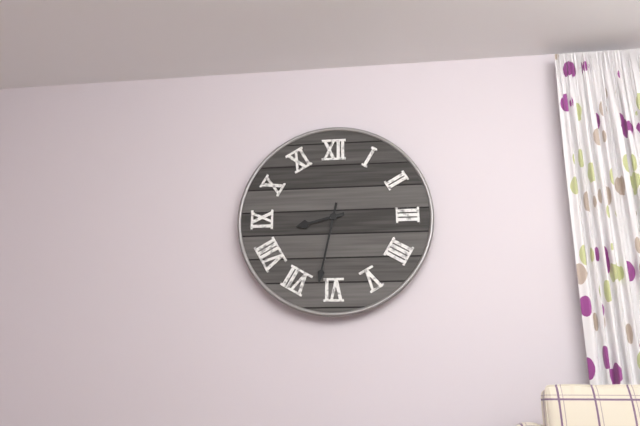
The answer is 8:32
